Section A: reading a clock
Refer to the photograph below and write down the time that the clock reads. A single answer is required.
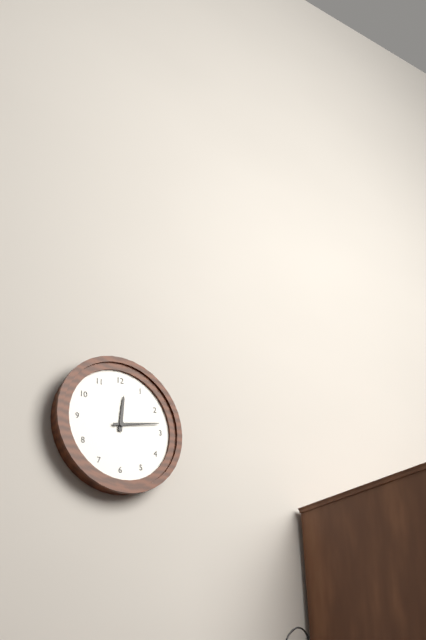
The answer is 12:13
